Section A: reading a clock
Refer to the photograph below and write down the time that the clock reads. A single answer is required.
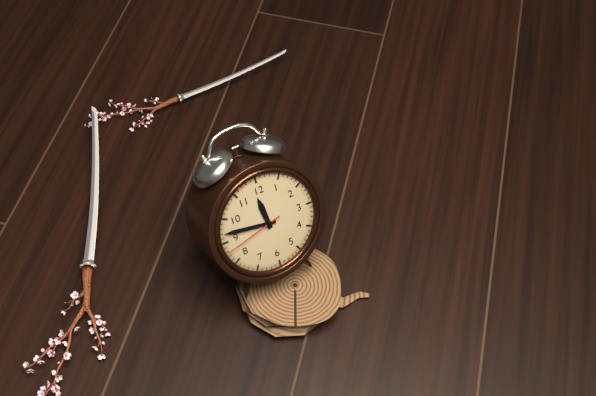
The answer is 11:47:43
